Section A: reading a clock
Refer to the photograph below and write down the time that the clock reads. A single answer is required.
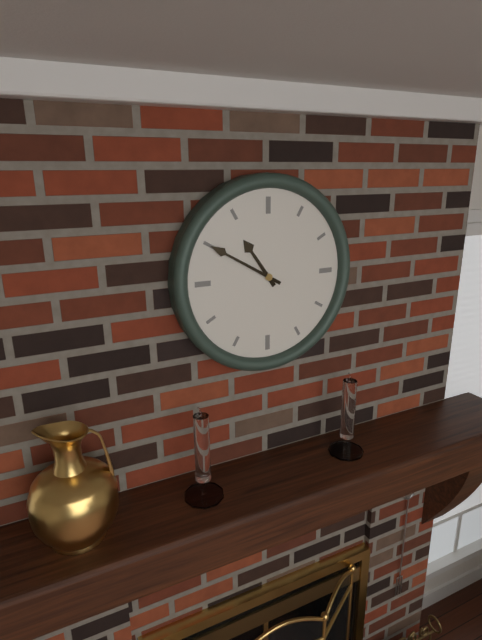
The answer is 10:50
